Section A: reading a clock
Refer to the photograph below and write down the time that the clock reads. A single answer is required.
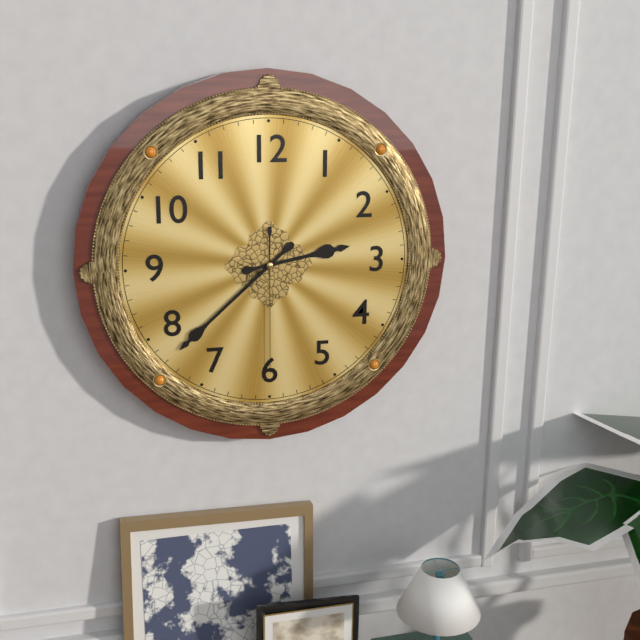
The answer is 2:38:30
